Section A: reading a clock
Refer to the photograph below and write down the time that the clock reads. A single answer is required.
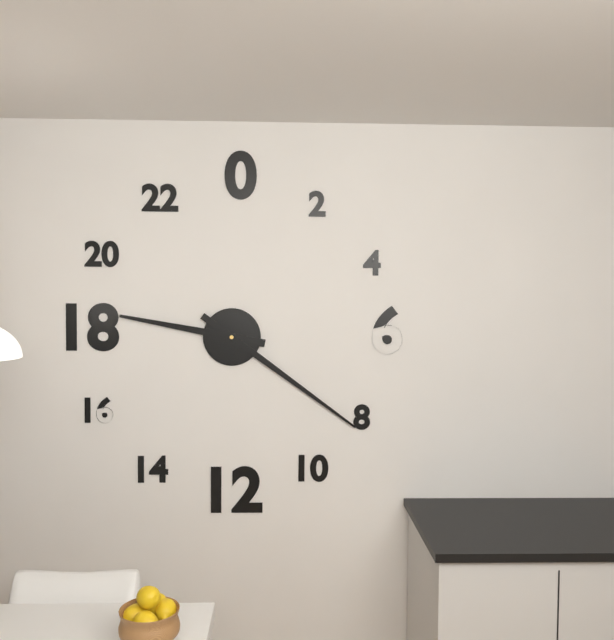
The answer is 9:21
